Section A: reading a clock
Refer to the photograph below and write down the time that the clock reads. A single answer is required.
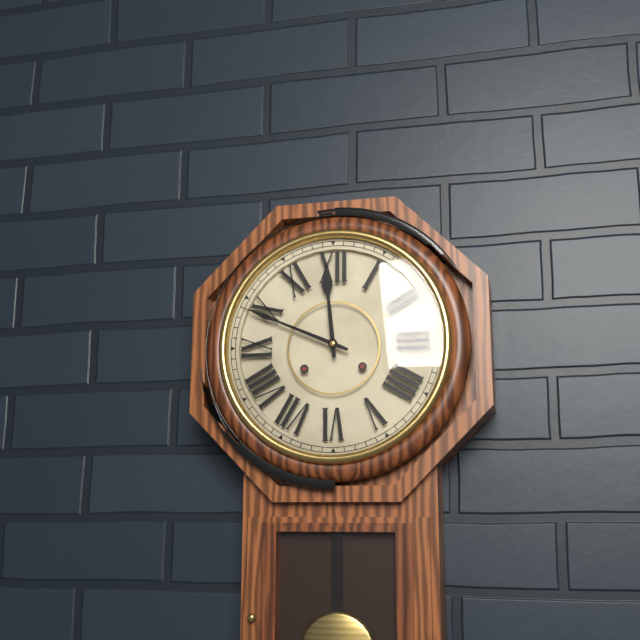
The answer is 11:49
